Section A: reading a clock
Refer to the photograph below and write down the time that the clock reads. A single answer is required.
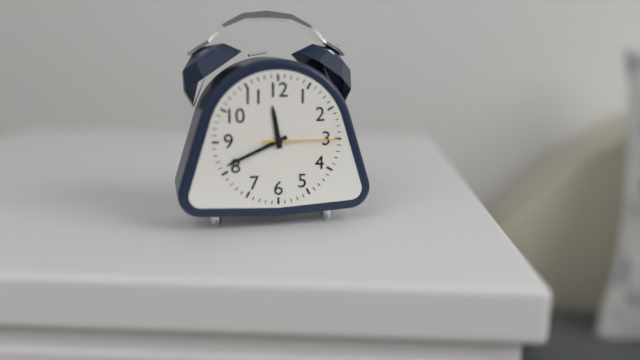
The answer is 11:41:15
